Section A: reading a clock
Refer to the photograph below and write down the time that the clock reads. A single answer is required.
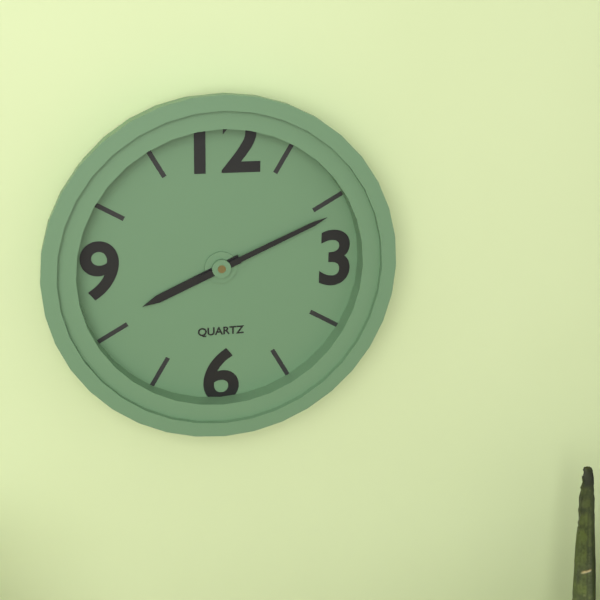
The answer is 8:11
